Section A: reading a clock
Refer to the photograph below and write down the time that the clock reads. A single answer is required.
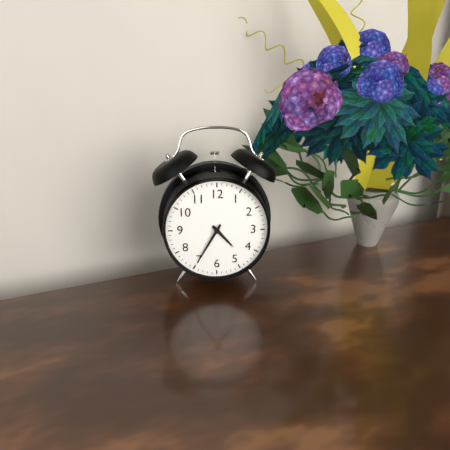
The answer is 4:35
